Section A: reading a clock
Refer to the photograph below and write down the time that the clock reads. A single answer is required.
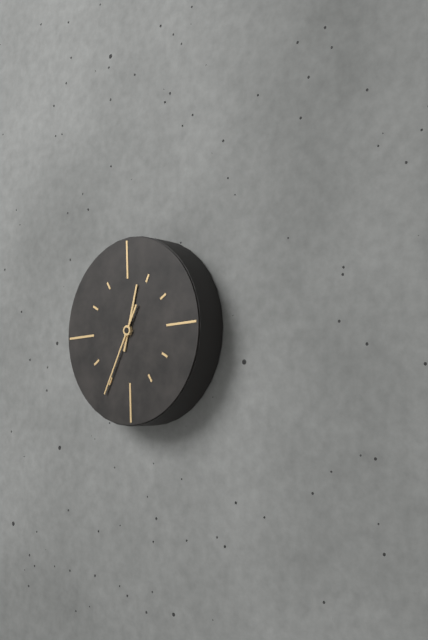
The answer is 12:35
